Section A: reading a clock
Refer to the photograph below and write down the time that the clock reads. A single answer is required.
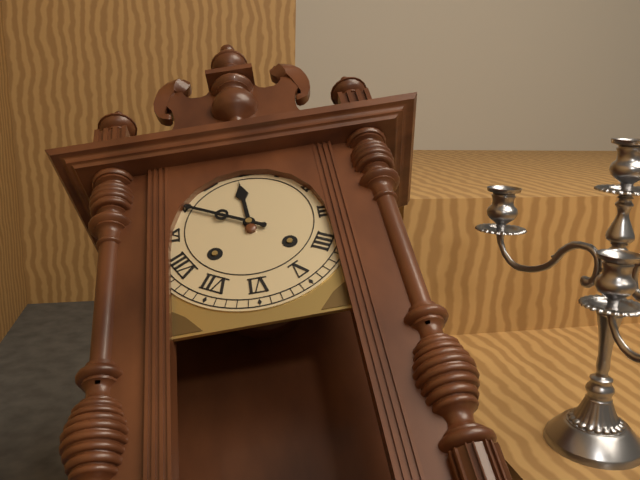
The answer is 11:50
